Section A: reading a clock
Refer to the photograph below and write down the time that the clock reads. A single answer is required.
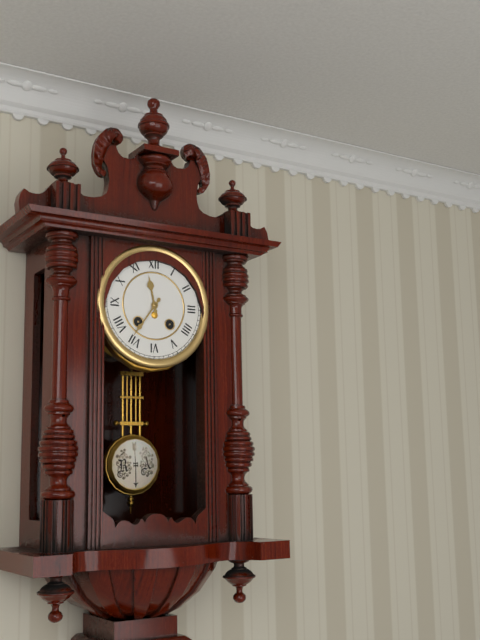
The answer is 11:36
